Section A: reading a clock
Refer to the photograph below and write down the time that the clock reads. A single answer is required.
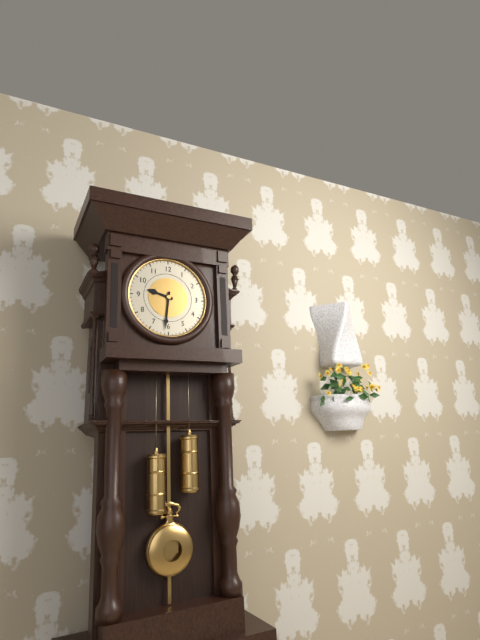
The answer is 9:31
